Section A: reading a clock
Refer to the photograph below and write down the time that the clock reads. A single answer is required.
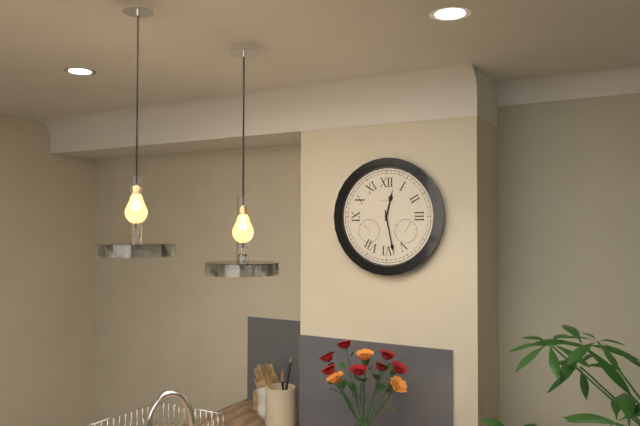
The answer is 12:28
